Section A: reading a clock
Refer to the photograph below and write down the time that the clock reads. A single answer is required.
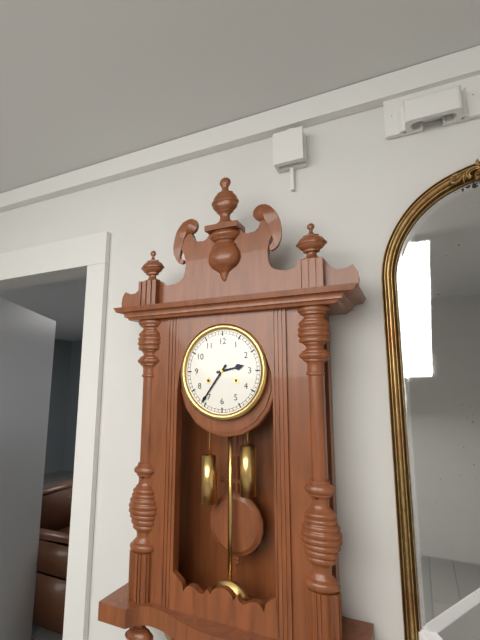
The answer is 2:36
